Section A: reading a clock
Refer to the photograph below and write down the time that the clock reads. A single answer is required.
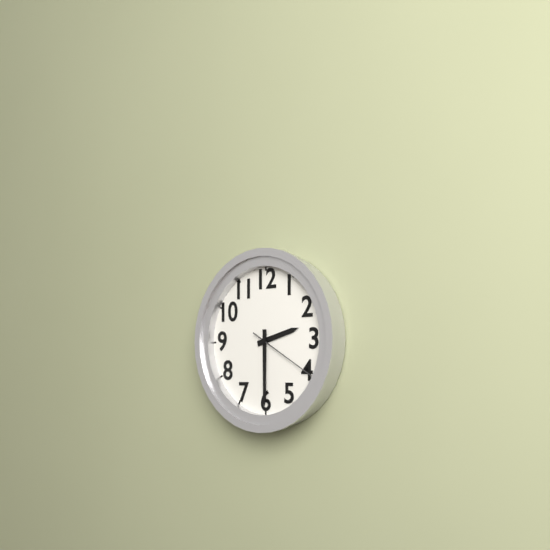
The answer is 2:30:20
